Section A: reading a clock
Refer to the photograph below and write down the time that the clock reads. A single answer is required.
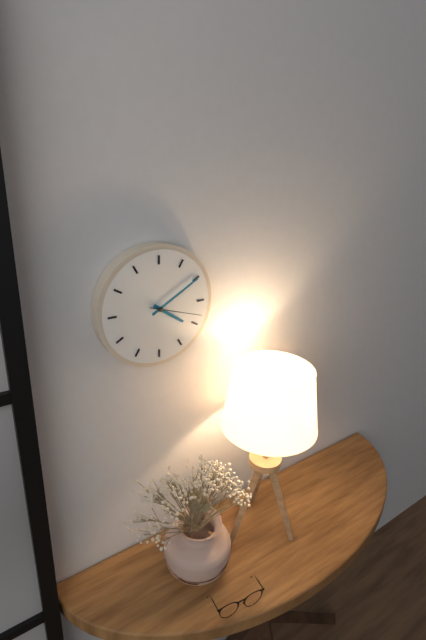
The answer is 4:10:18
